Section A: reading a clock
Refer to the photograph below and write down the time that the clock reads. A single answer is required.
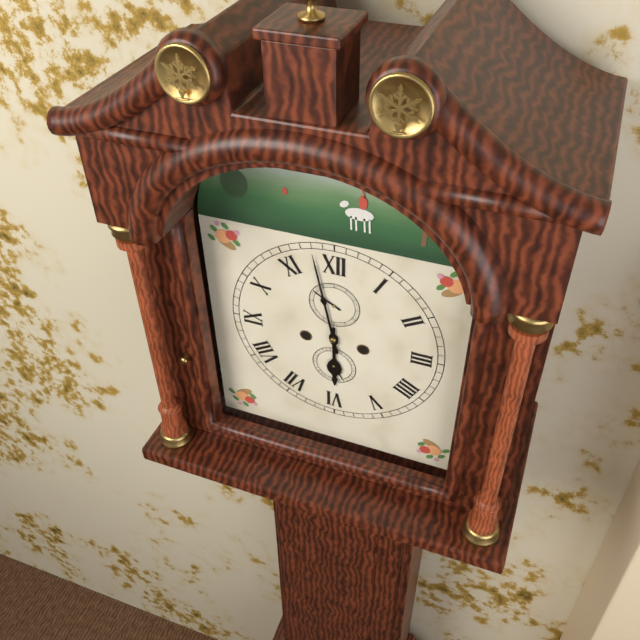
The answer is 5:58
